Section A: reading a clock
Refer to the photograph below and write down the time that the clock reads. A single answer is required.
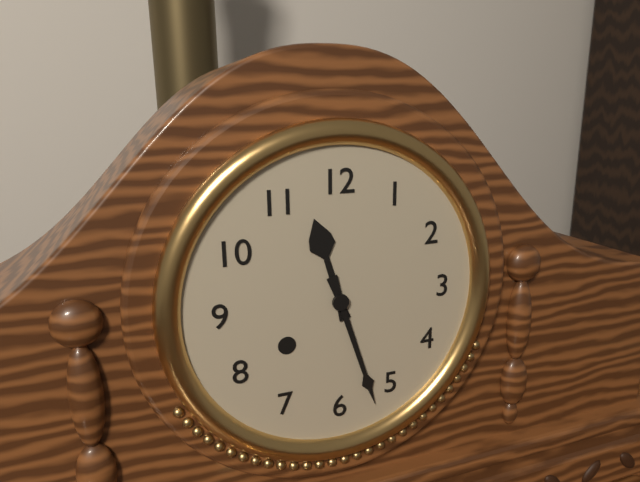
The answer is 11:27
